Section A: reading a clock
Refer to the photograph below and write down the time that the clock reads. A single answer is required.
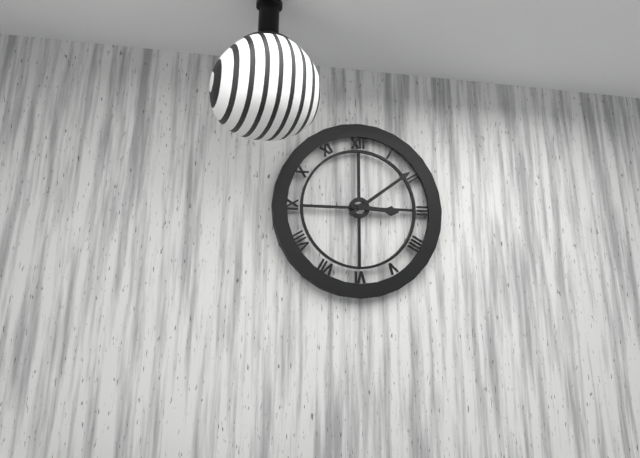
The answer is 3:09
